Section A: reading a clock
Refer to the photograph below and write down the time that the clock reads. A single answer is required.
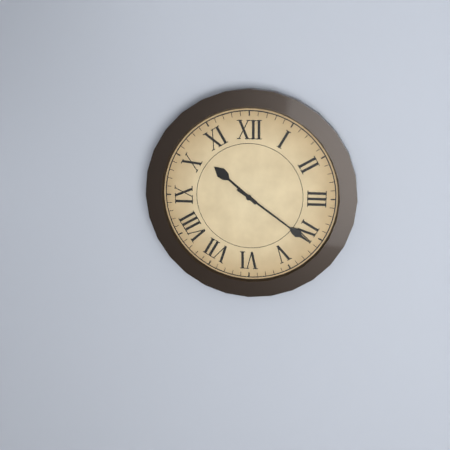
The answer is 10:21
